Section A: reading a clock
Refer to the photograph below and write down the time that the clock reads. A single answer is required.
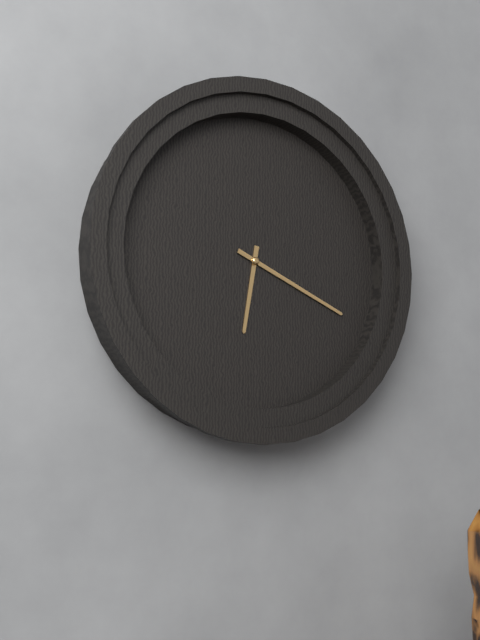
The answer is 6:19
